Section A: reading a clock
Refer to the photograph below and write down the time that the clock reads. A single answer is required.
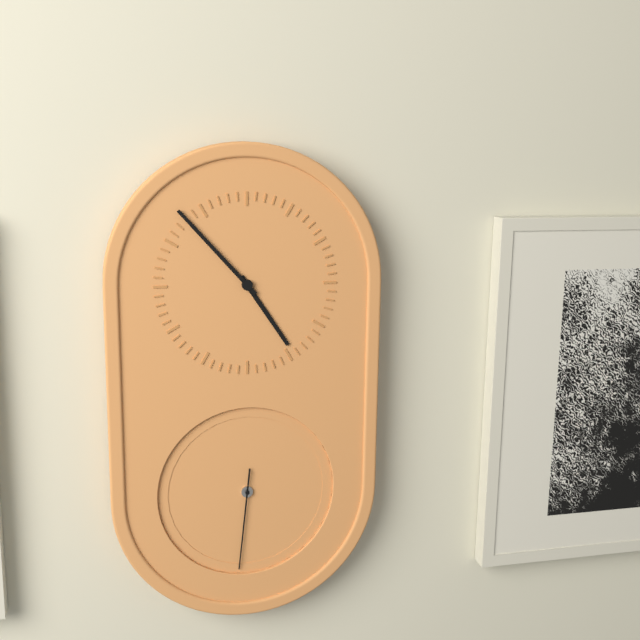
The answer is 4:53:31
